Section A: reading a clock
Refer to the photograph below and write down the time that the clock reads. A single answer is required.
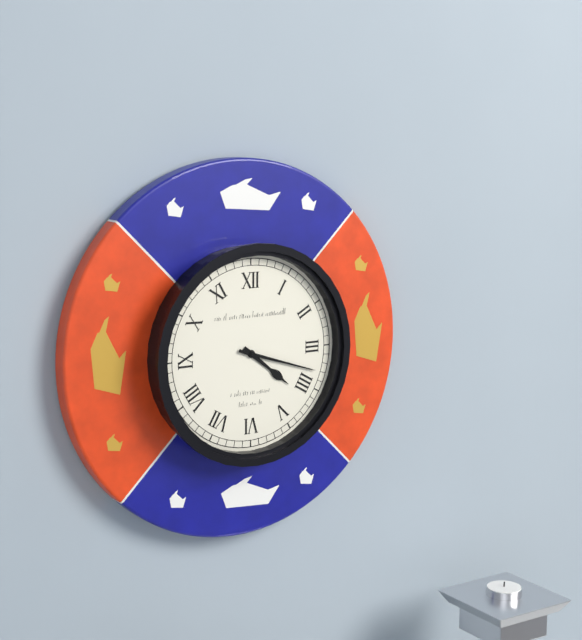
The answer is 4:18
